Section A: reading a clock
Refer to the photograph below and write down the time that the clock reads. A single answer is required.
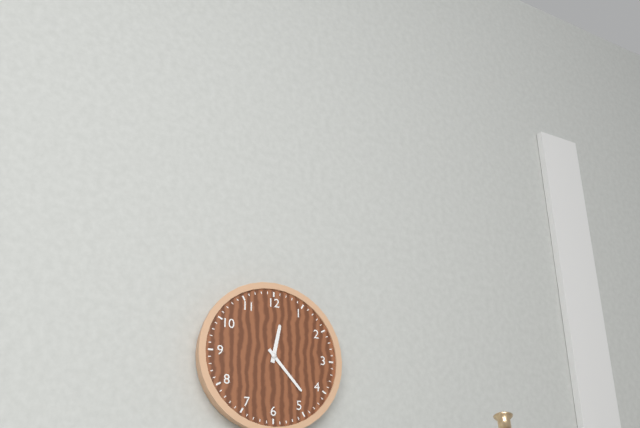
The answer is 12:23
